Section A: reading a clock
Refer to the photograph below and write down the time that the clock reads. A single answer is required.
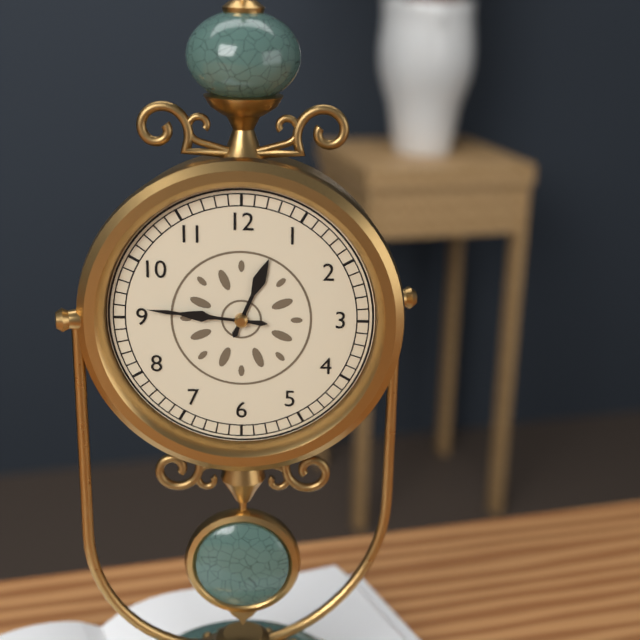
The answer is 12:46
